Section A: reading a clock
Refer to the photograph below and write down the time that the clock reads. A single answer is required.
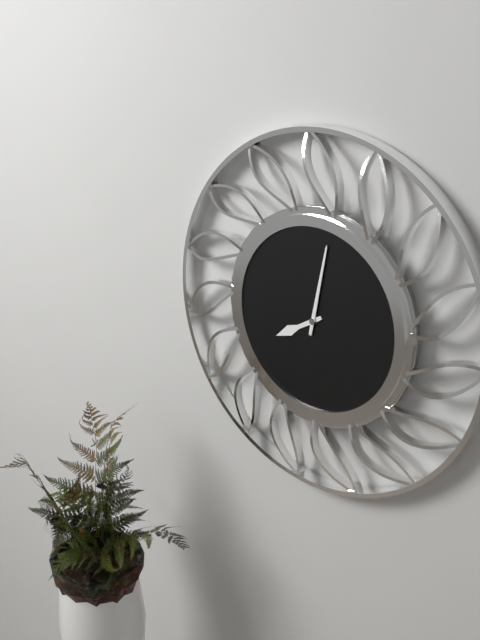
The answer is 8:02
